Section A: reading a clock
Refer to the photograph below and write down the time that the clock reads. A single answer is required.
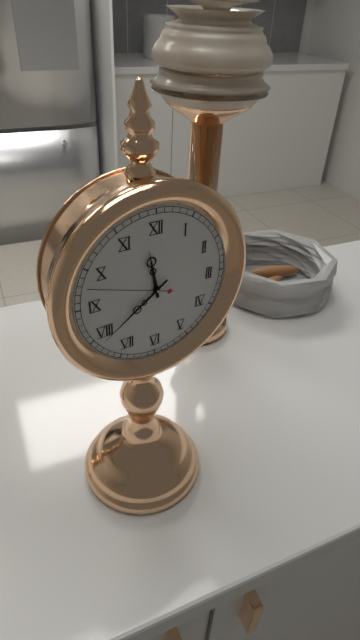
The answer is 11:39:48
